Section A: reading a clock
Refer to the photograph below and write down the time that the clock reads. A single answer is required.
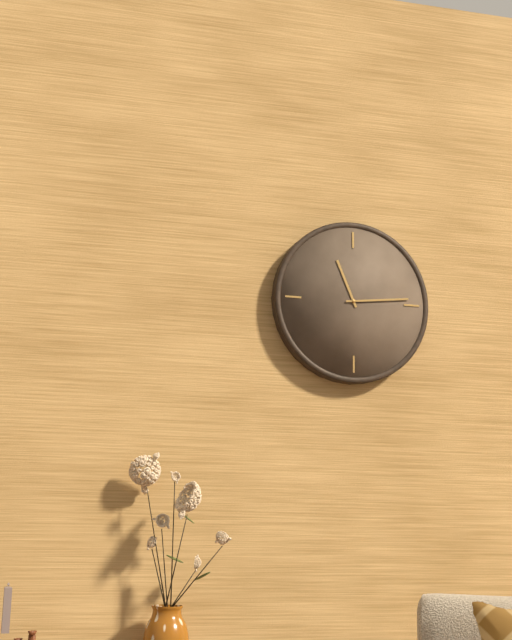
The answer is 11:14
